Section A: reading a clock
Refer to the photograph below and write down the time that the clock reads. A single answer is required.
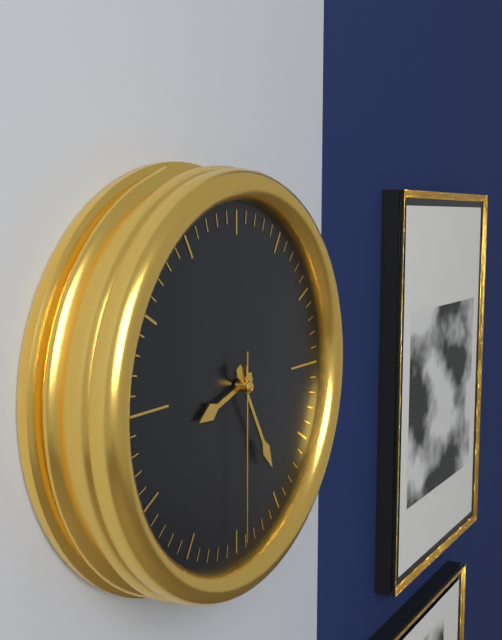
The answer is 8:25:30
